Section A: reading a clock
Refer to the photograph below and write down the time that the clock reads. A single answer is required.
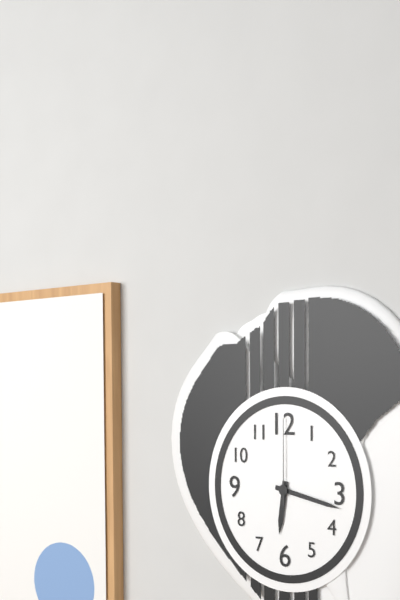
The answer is 6:17:00
